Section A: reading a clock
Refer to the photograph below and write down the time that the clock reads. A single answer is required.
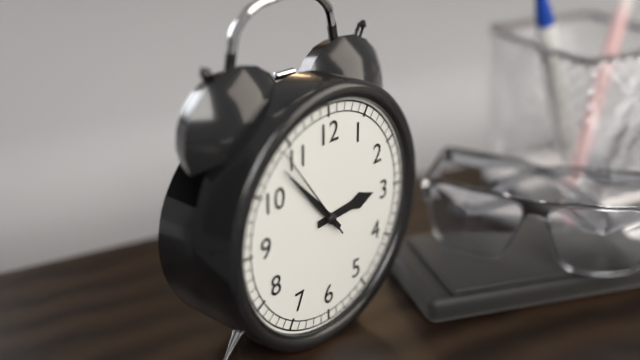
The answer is 2:53:54
